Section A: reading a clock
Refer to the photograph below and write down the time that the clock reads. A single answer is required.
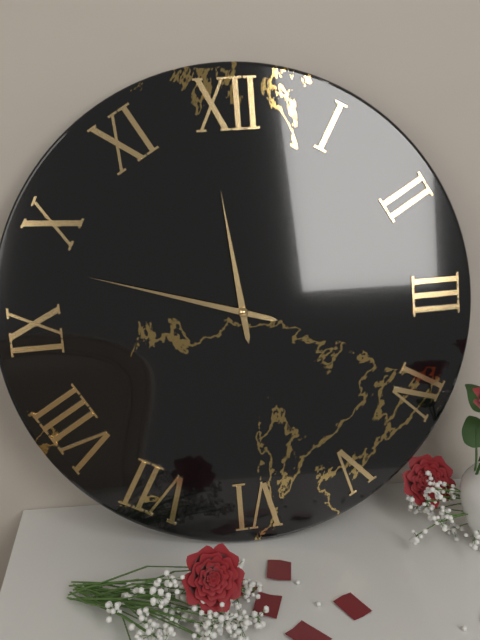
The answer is 11:48
